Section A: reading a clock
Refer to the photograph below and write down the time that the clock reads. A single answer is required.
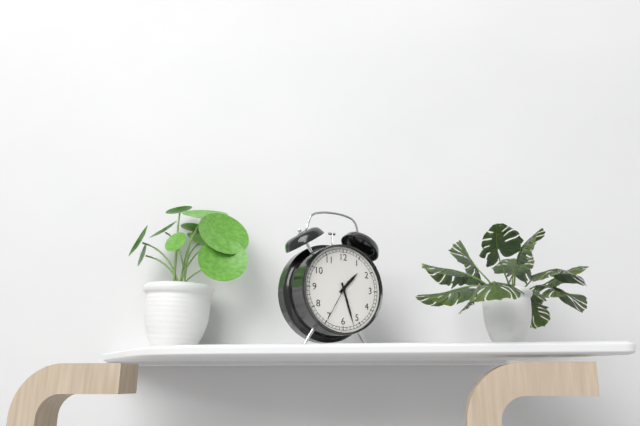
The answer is 1:27
